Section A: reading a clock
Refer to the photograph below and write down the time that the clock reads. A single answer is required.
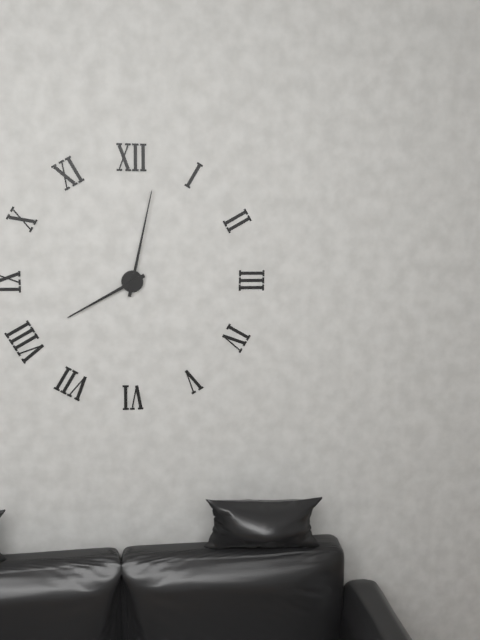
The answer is 8:02
